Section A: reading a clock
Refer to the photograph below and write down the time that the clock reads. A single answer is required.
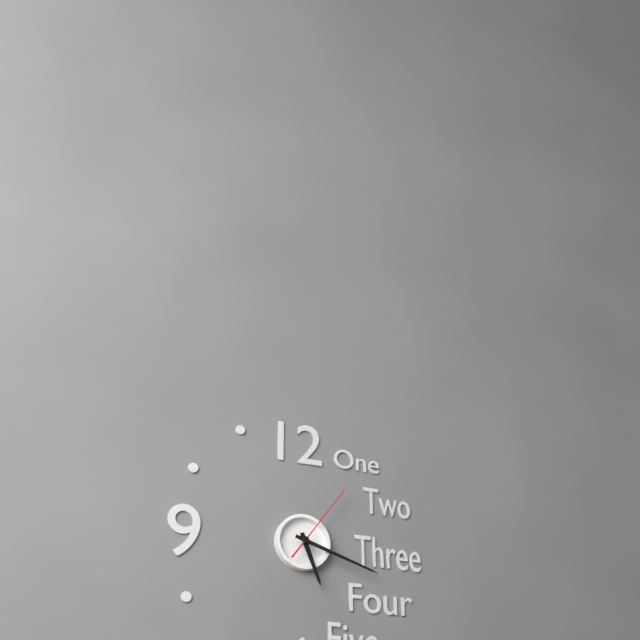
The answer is 5:18:06
